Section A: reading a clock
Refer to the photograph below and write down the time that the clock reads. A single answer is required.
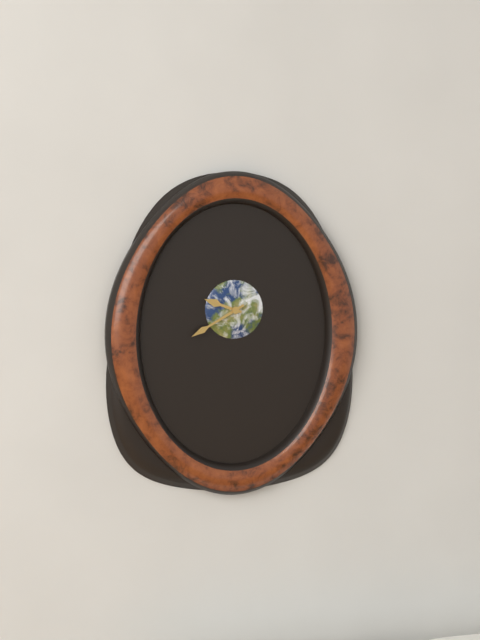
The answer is 9:40
